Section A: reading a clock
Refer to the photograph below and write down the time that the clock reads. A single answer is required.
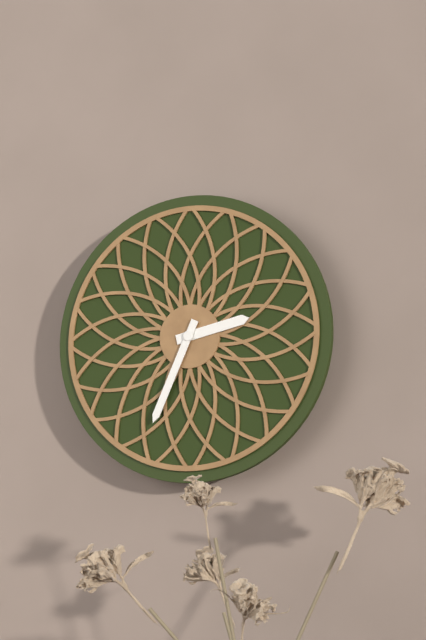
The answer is 2:34
